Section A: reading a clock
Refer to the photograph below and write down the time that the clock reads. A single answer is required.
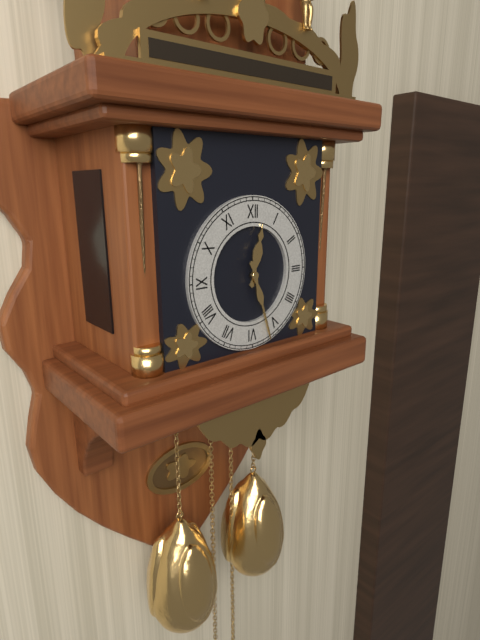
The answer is 12:27
